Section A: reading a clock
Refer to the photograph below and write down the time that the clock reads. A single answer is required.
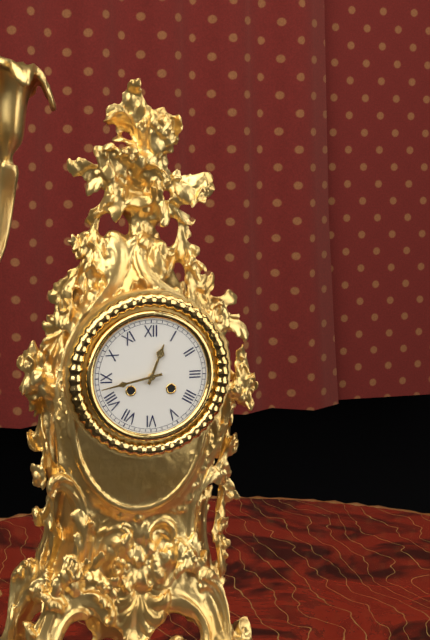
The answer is 12:43
